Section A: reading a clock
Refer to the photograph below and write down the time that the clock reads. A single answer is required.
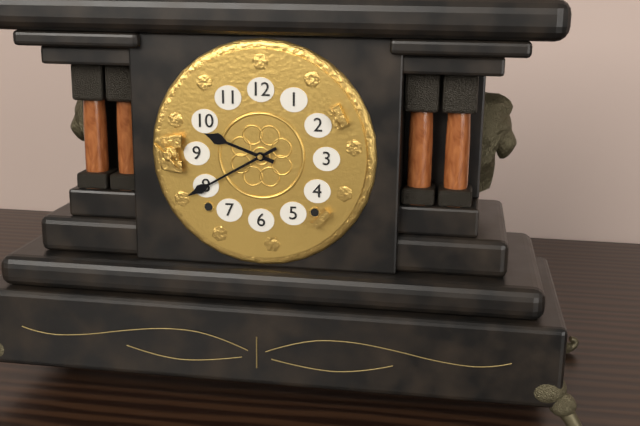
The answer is 9:40
